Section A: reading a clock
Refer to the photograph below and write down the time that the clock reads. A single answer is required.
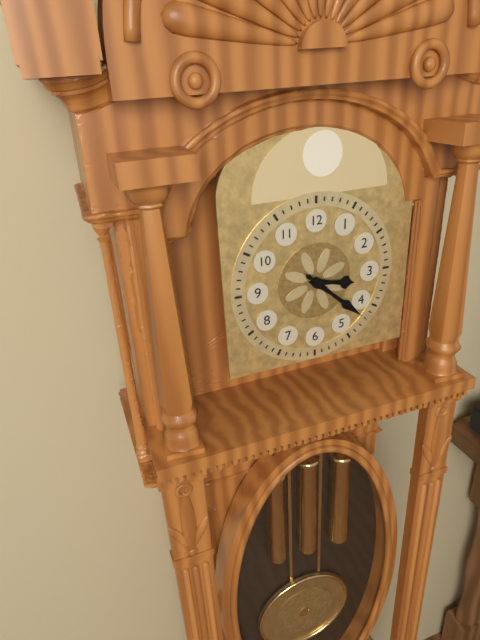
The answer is 3:22
